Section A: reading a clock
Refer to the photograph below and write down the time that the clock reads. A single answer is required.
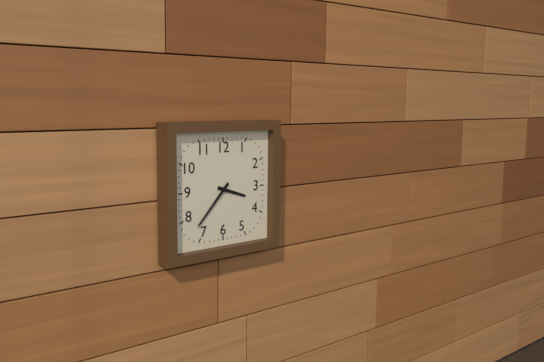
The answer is 3:37
